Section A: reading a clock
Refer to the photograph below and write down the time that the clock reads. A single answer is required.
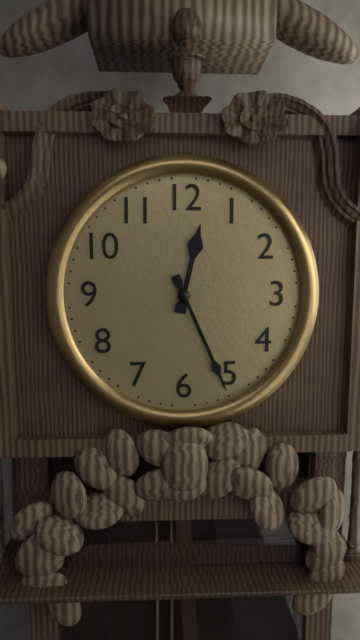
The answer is 12:26
